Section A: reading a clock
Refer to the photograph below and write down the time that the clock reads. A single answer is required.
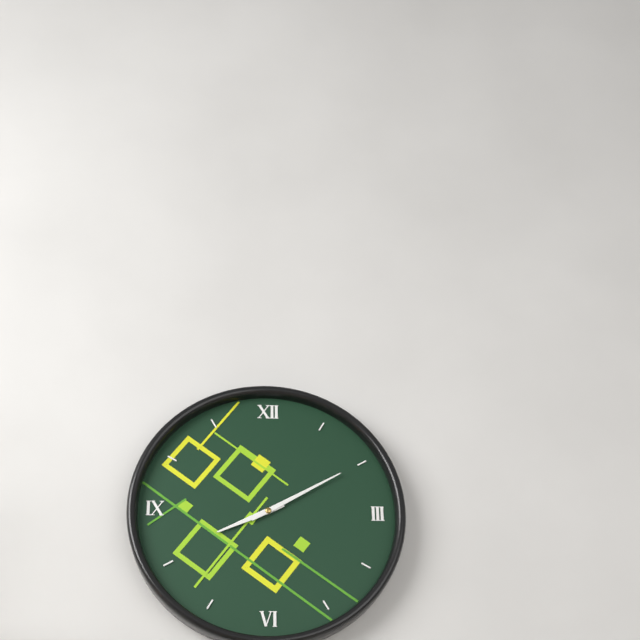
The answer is 8:10
